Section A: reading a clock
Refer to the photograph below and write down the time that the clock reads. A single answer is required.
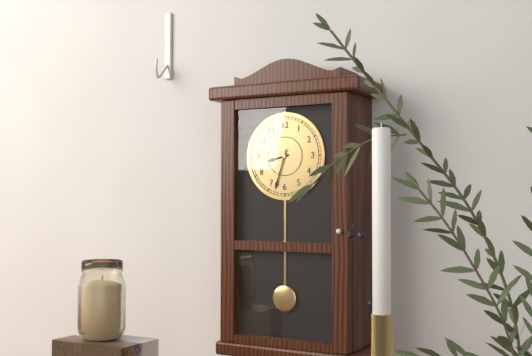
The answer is 8:33
